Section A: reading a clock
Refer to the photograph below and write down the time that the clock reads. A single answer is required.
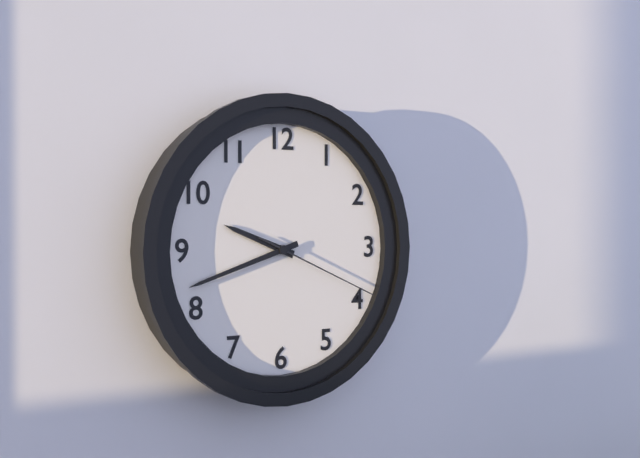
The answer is 9:42:19
